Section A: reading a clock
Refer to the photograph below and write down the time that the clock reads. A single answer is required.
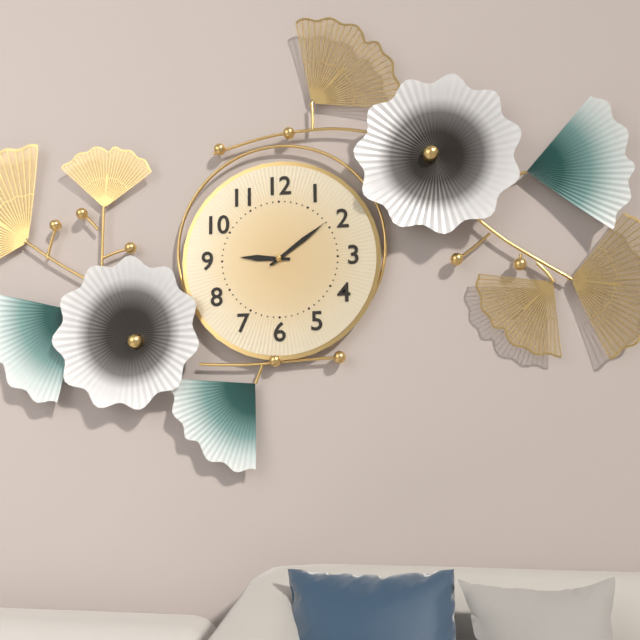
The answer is 9:09
